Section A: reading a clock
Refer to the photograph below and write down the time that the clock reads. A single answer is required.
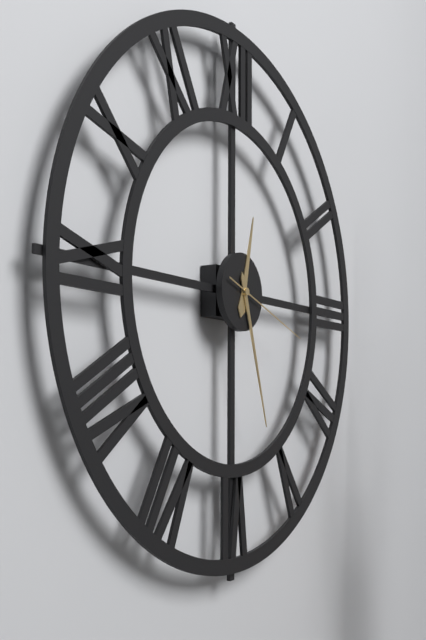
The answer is 12:27:18
